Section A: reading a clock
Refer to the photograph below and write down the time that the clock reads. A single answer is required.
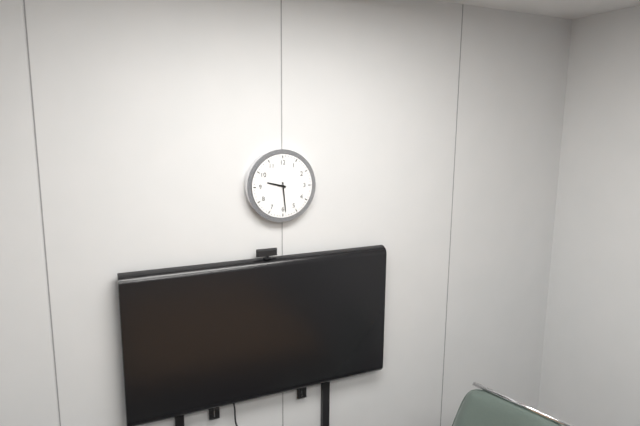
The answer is 9:29
